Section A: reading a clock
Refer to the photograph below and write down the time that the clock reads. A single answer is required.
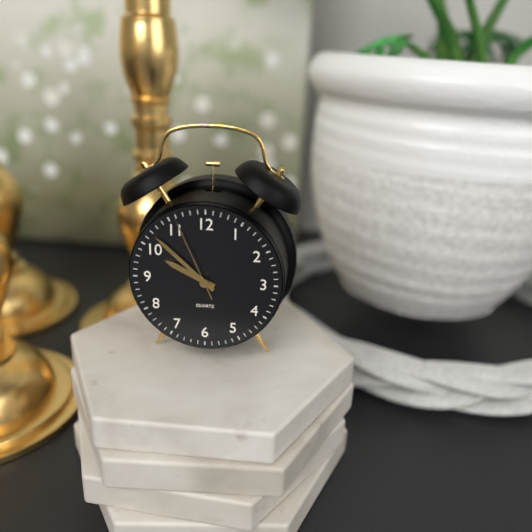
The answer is 9:52:56
